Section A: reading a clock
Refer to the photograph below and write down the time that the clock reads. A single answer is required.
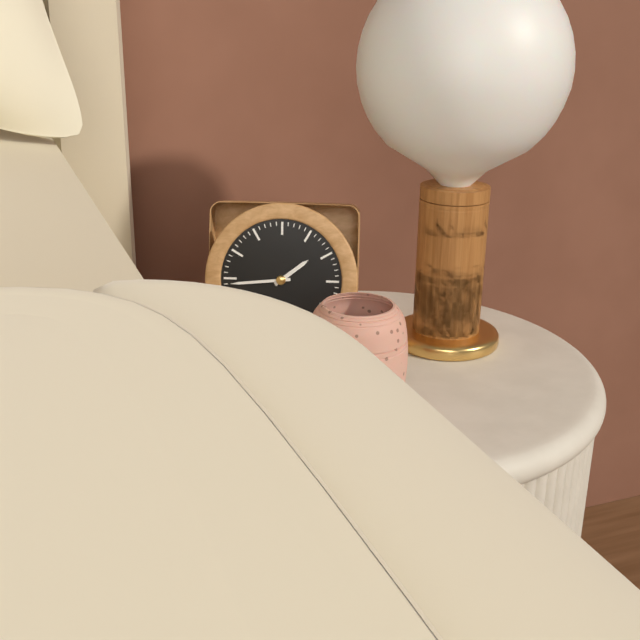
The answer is 1:44
